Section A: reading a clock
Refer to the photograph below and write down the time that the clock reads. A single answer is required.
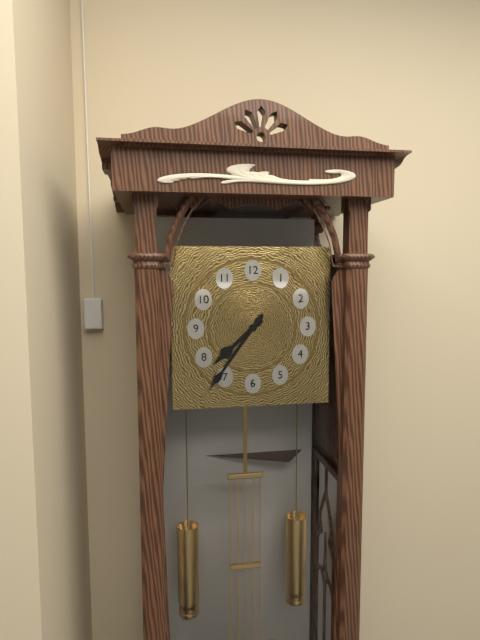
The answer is 7:36
